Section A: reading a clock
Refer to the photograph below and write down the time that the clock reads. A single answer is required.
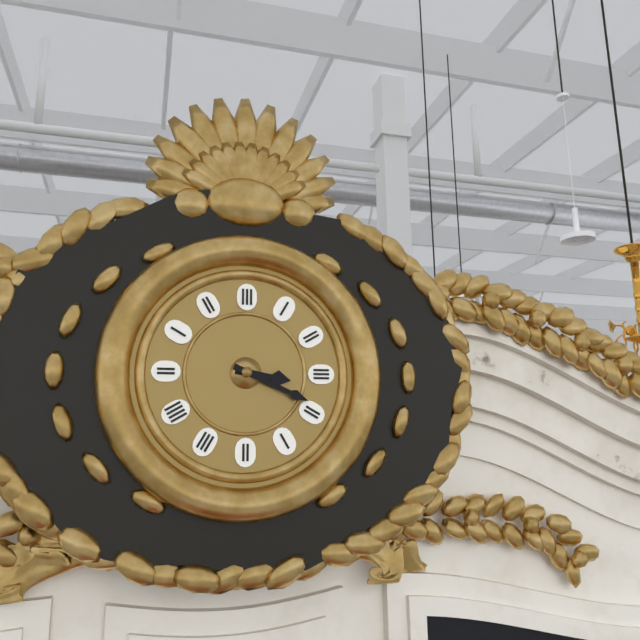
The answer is 3:19
